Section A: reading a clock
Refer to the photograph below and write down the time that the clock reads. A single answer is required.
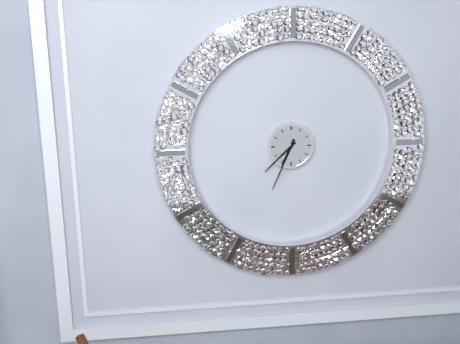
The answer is 7:34
